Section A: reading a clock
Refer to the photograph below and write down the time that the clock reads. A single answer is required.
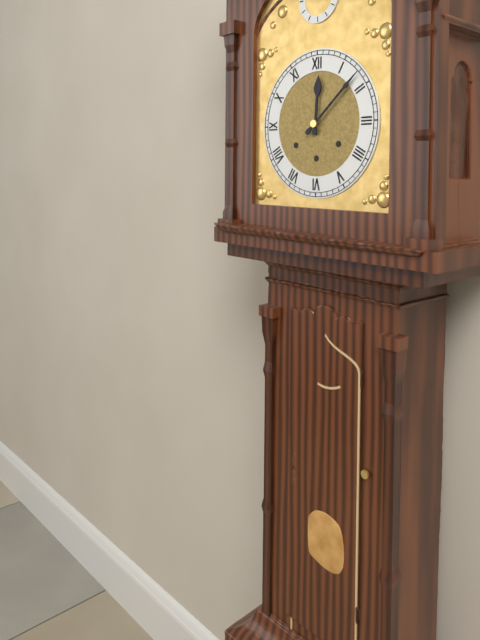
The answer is 12:08
